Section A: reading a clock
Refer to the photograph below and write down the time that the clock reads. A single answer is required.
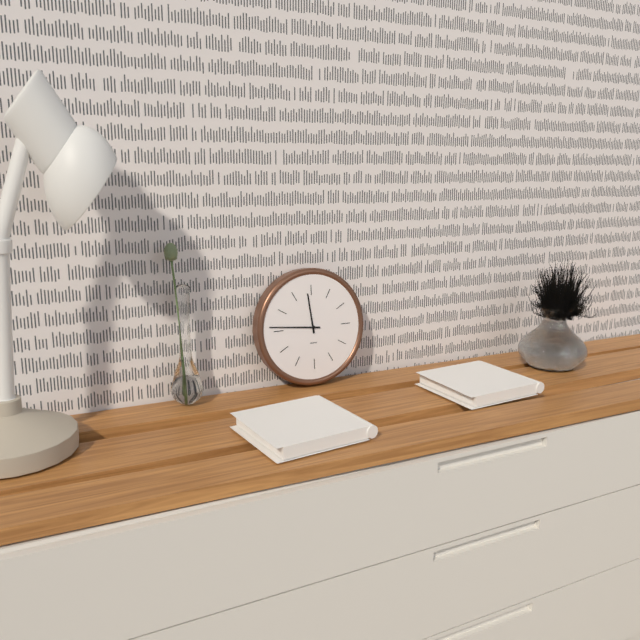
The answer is 11:46
